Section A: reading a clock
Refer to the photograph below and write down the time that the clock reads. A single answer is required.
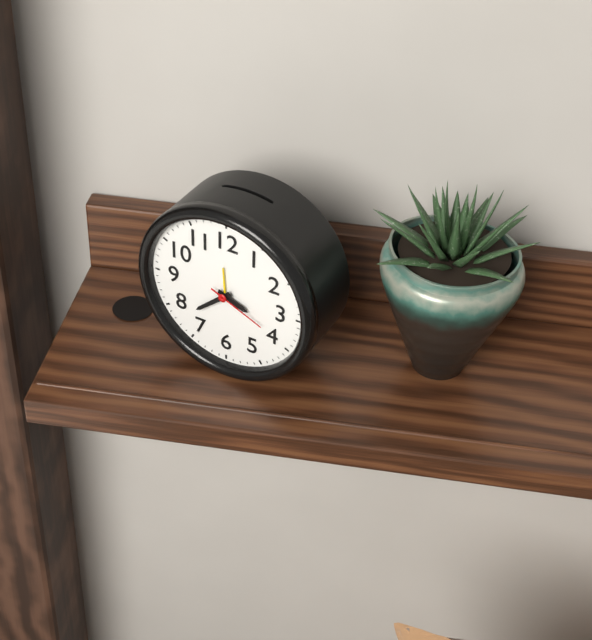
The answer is 3:38:19
